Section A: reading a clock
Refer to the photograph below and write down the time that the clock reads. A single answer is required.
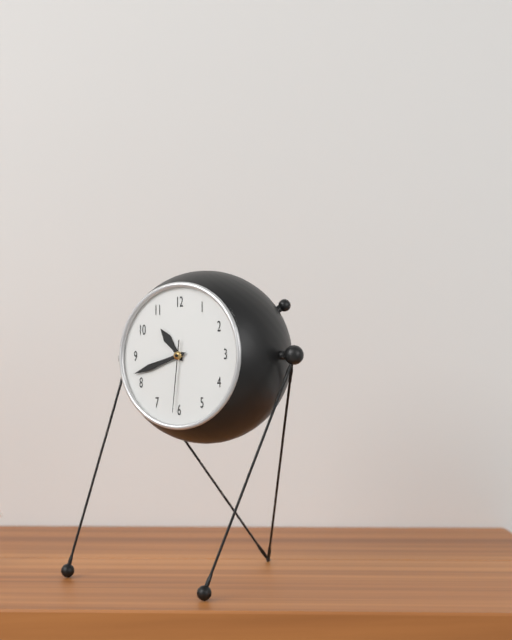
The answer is 10:42:31
